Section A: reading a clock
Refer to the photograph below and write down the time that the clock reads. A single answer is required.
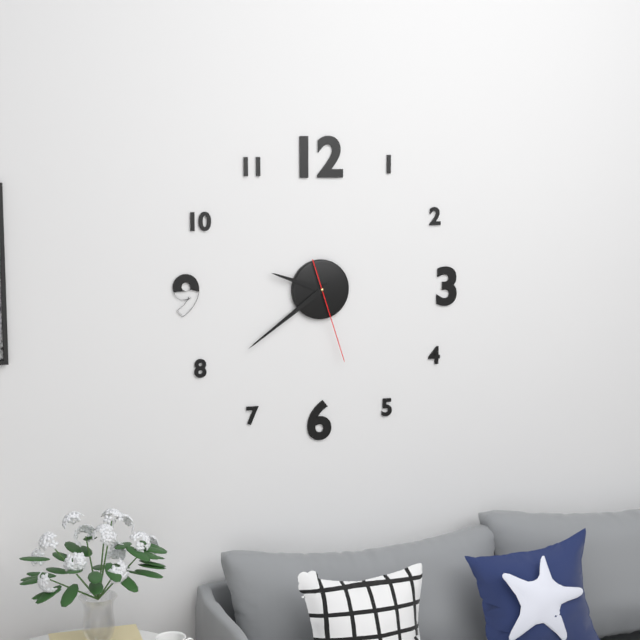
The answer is 9:39:27
